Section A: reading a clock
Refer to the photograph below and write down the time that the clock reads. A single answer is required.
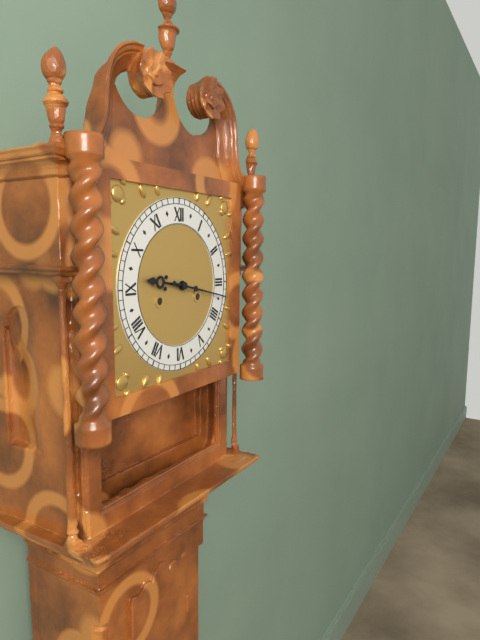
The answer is 9:17
